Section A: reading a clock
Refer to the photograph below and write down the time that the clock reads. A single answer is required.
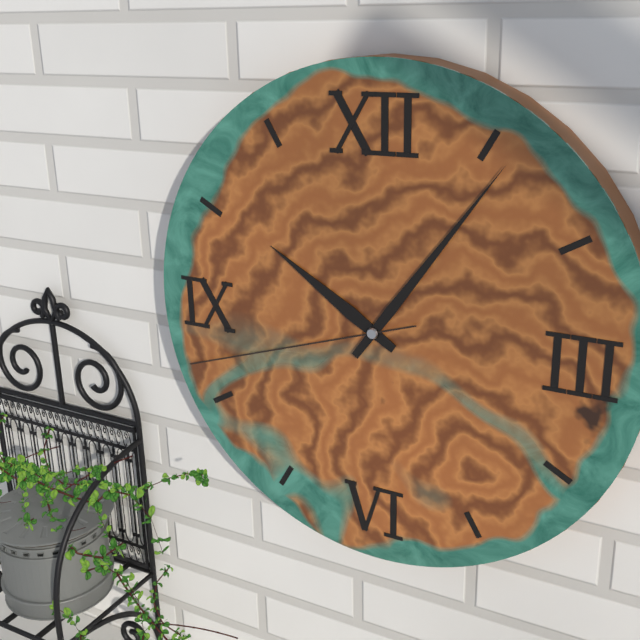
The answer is 10:06:42
